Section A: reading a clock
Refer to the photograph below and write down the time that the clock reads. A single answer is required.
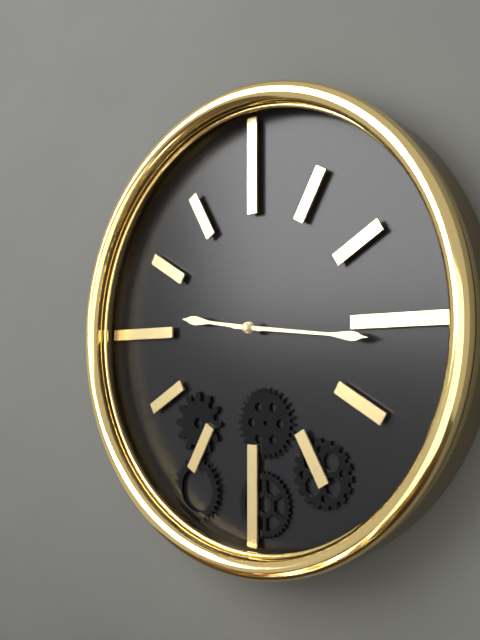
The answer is 9:16
